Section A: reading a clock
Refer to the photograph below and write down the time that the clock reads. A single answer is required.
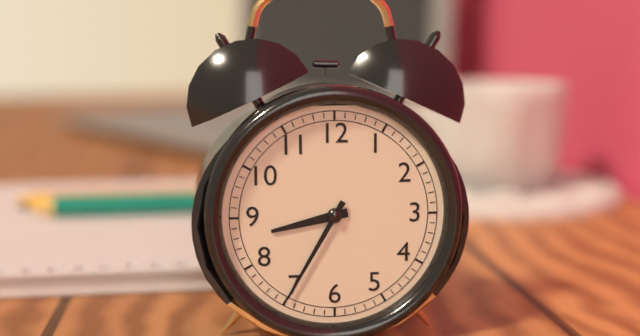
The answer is 8:35
